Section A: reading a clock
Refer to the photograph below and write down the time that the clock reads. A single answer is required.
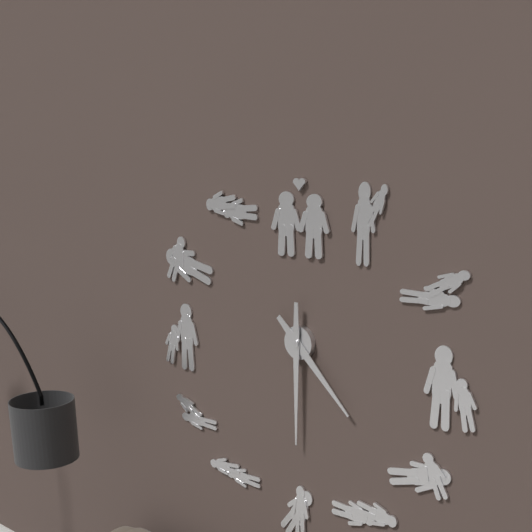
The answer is 4:30
